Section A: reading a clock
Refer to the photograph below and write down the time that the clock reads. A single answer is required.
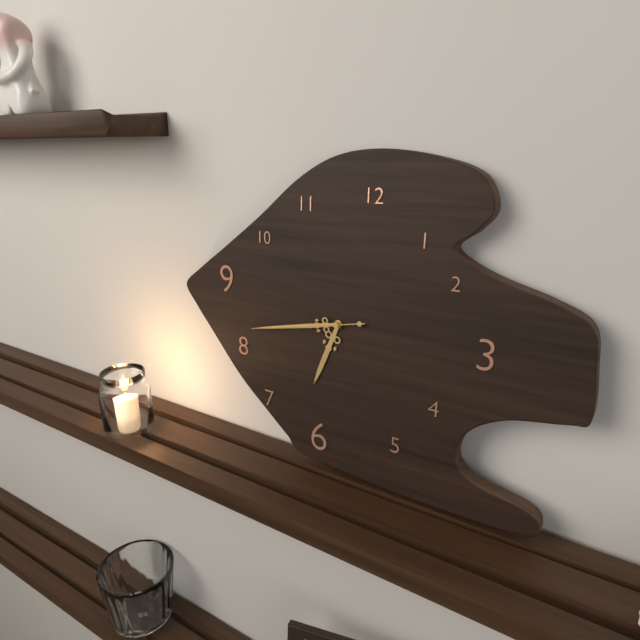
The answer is 6:43:43
